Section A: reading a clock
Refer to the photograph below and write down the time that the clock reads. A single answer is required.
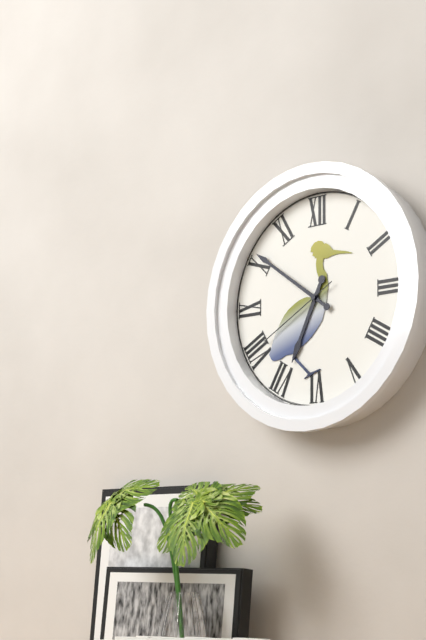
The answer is 6:51:40
